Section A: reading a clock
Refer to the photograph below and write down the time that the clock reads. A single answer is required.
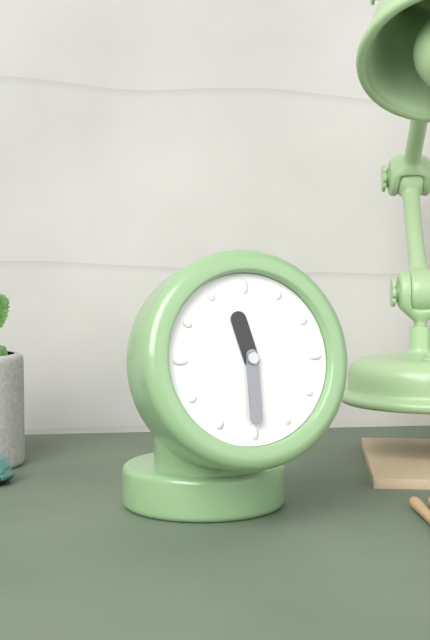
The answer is 11:30
